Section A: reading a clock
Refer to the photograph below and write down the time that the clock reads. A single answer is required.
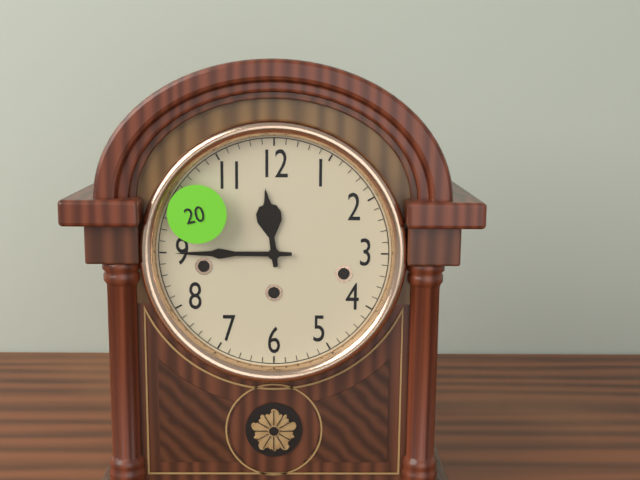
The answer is 11:45
